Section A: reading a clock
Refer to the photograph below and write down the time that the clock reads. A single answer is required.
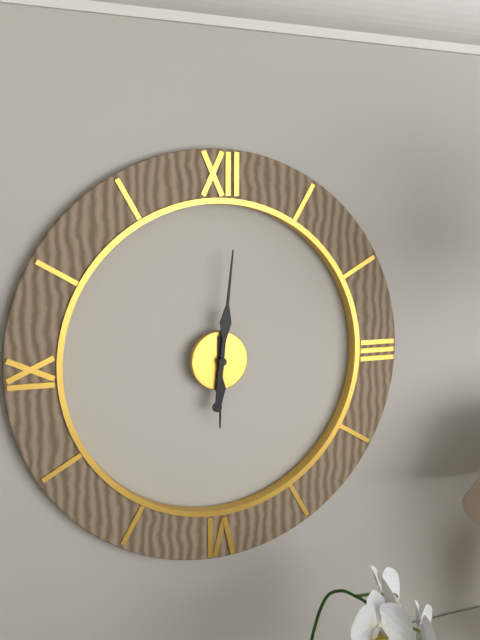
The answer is 6:01
